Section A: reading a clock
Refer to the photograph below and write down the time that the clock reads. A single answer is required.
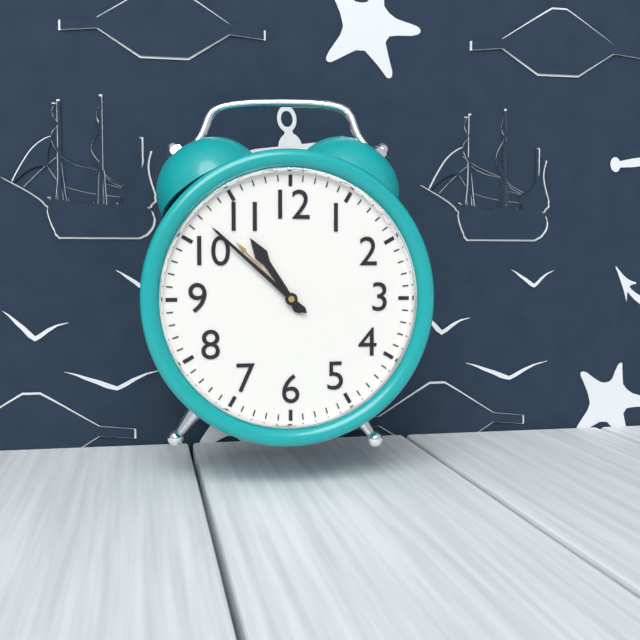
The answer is 10:52
